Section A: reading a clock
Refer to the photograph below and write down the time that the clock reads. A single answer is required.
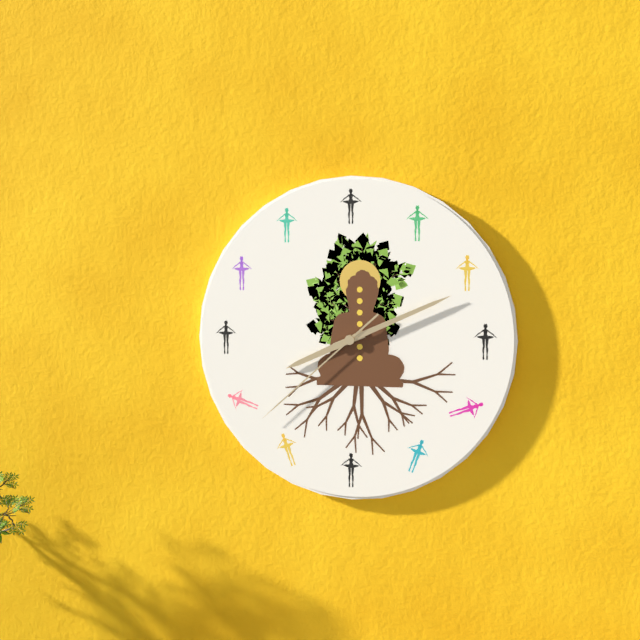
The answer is 8:11:38
